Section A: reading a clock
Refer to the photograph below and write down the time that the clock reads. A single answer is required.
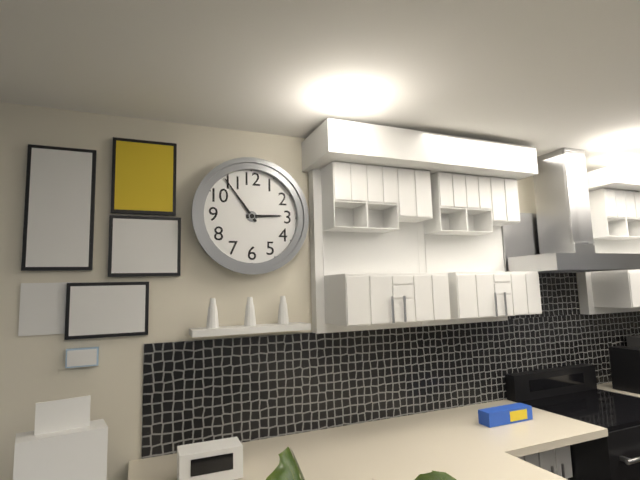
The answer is 2:54
